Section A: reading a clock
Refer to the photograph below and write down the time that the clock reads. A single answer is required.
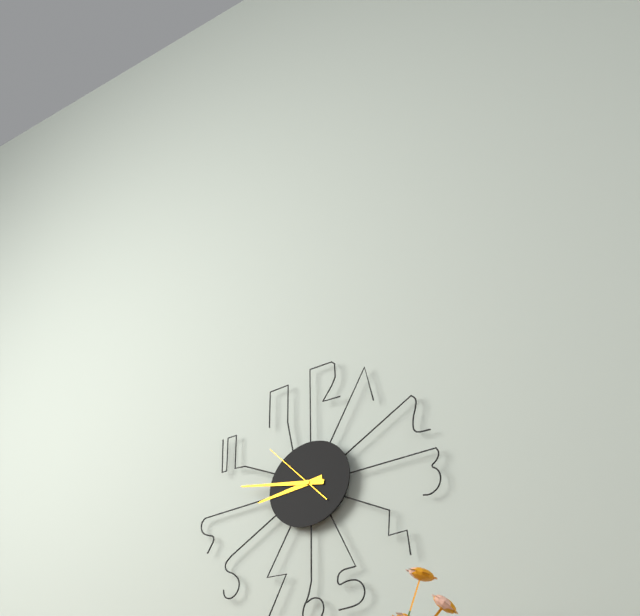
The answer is 8:47:53
